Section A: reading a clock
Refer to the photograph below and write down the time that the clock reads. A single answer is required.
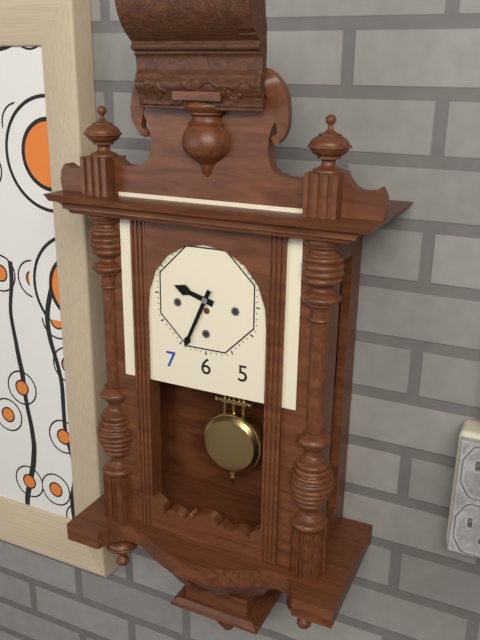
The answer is 9:34
